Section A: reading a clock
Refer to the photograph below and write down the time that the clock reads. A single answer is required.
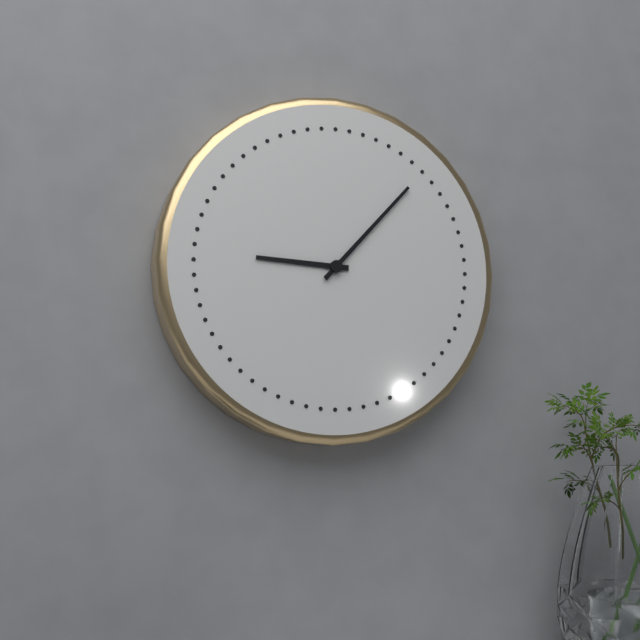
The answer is 9:07
